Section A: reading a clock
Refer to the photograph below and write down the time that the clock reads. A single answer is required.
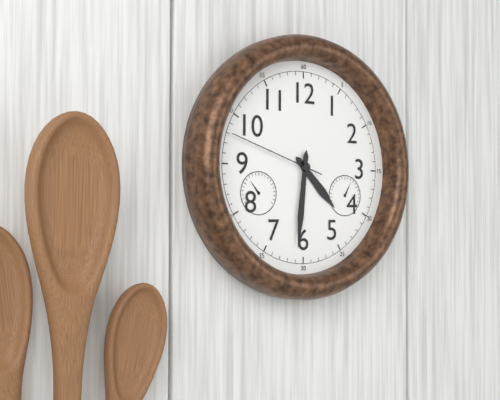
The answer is 4:31:48
